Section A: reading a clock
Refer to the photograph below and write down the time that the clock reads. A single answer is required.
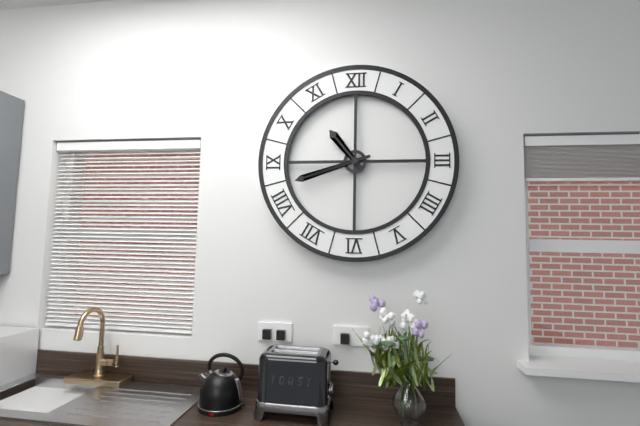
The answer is 10:42
